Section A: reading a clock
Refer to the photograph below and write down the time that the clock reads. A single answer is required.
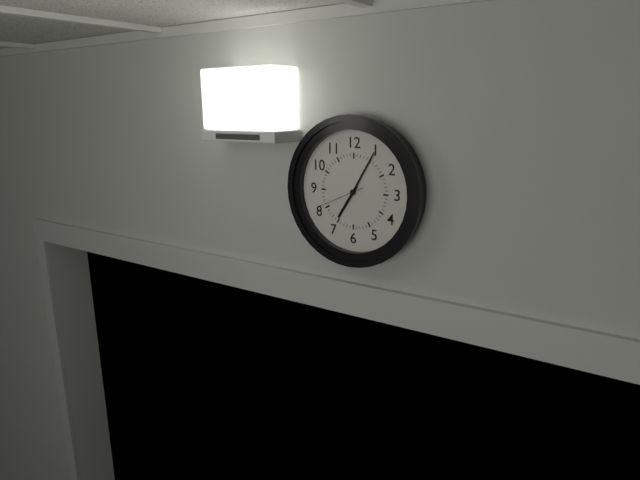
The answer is 7:05
